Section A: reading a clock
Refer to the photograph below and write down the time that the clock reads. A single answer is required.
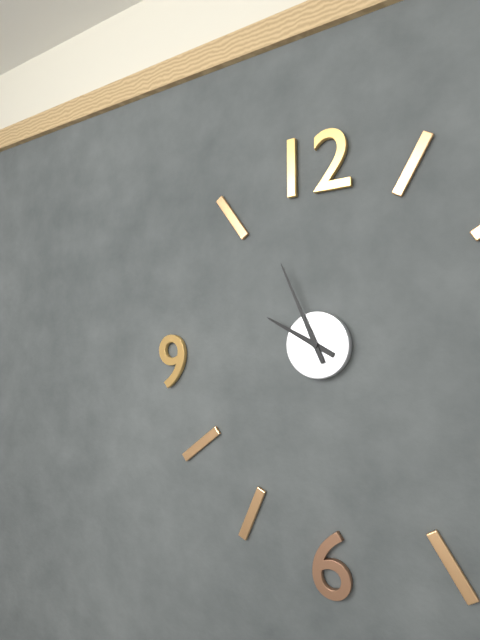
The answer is 9:56
